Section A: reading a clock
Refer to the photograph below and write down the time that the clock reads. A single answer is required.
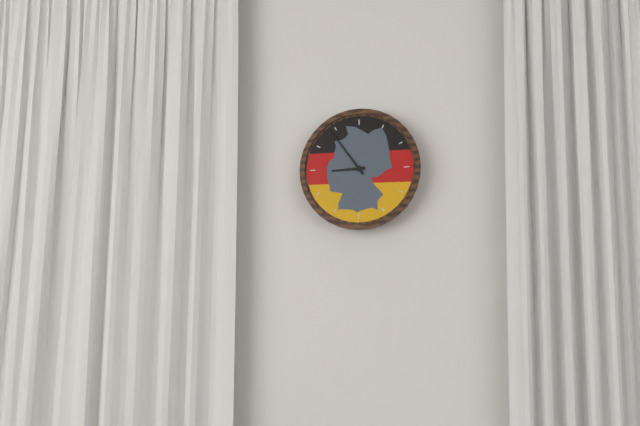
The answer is 8:54
